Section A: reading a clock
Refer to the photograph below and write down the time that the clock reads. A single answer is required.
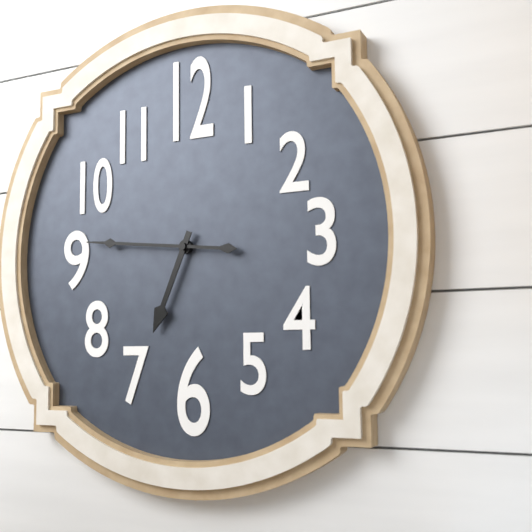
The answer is 6:46
